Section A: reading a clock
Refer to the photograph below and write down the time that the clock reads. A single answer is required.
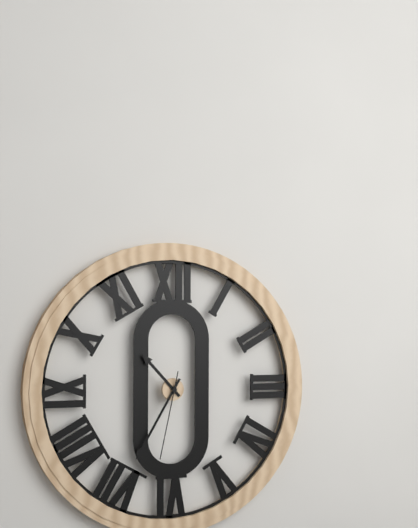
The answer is 10:35:32
